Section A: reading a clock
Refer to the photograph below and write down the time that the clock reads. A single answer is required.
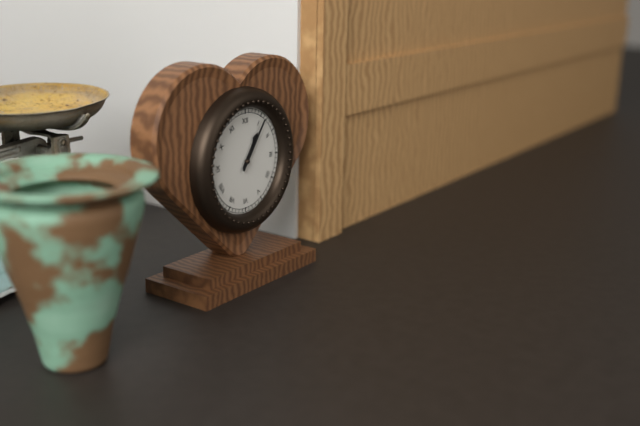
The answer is 1:06
